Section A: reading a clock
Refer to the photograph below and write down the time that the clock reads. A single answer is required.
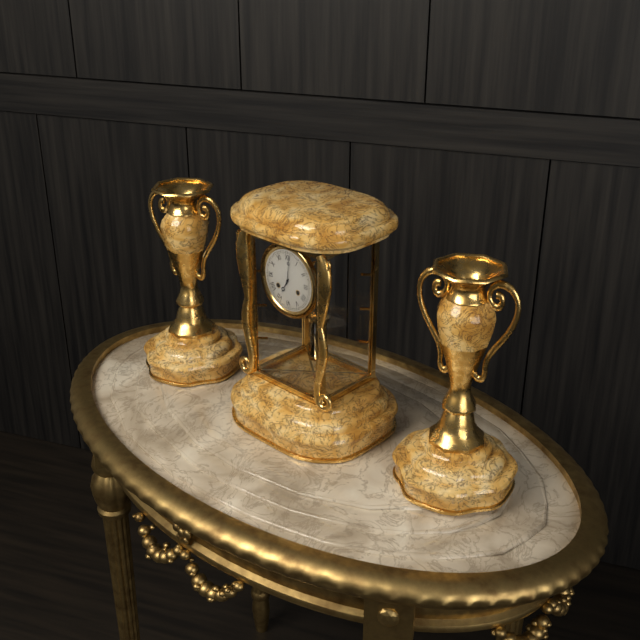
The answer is 7:01
